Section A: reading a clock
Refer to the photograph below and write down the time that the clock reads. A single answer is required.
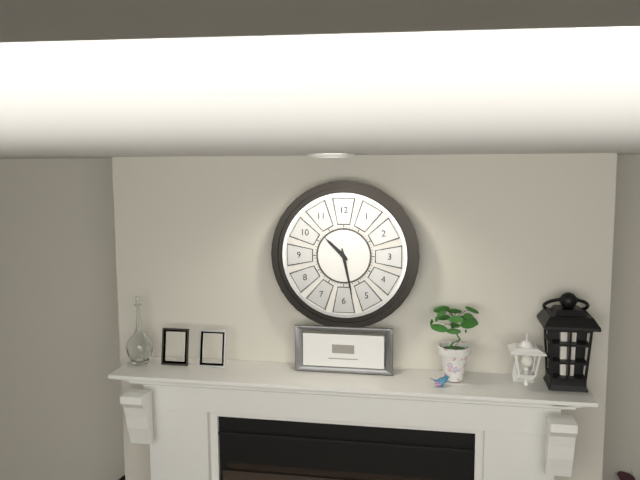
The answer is 10:28
